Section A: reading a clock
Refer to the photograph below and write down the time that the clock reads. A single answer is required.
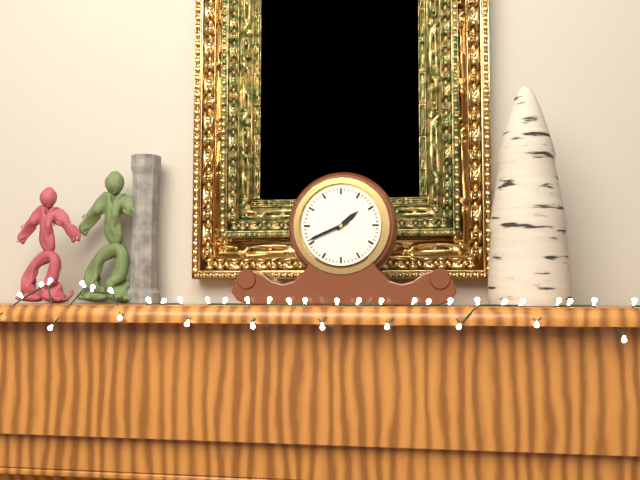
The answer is 1:41
